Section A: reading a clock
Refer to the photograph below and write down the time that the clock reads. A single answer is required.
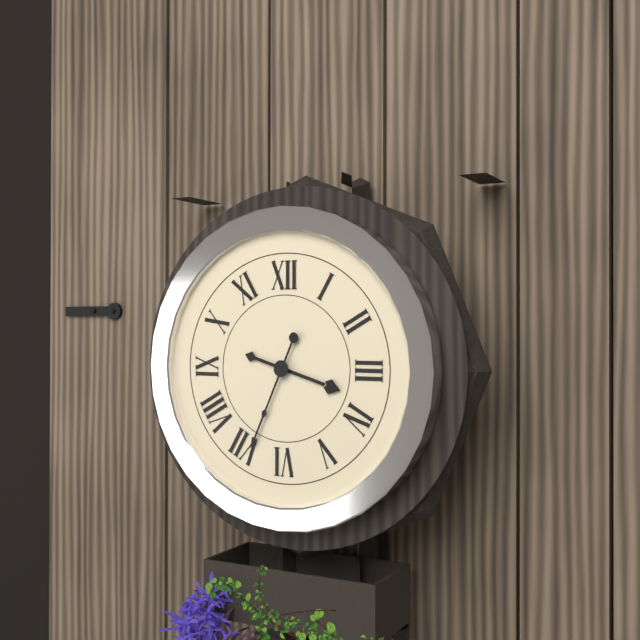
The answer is 3:34
